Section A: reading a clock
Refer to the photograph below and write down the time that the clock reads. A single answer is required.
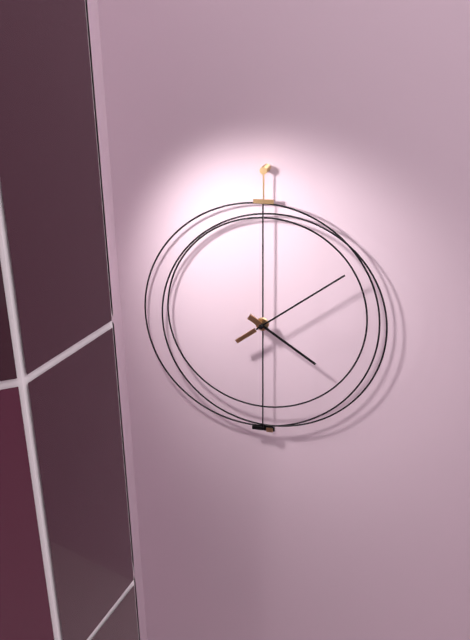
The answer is 4:09
